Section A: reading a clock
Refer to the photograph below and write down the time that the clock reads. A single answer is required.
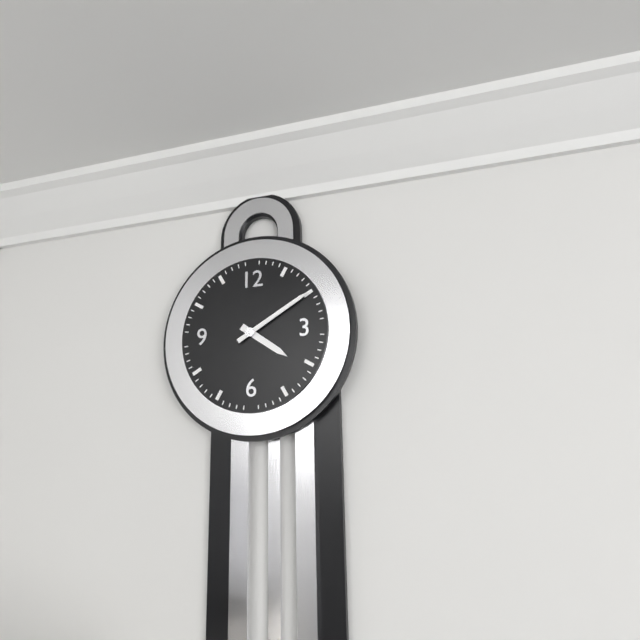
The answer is 4:10
